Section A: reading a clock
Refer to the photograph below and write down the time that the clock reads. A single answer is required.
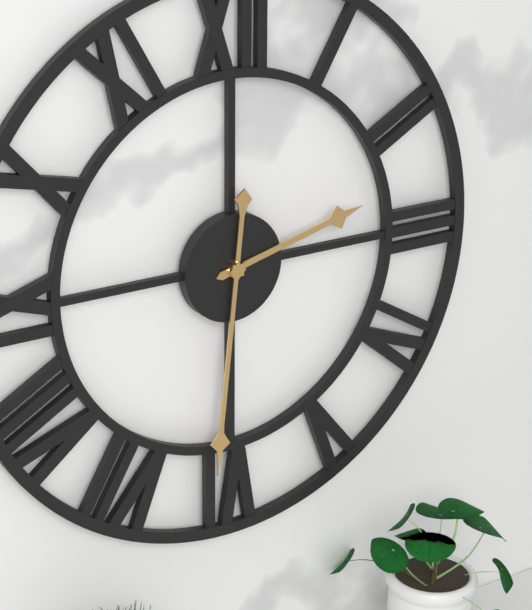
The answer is 2:31
